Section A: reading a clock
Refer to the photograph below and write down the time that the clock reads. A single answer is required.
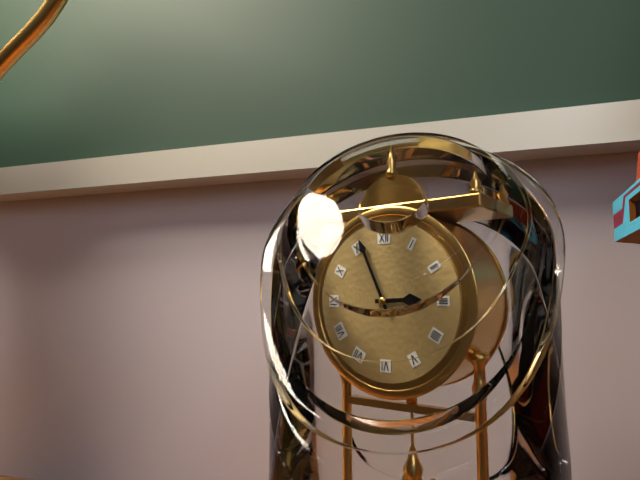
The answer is 2:56
